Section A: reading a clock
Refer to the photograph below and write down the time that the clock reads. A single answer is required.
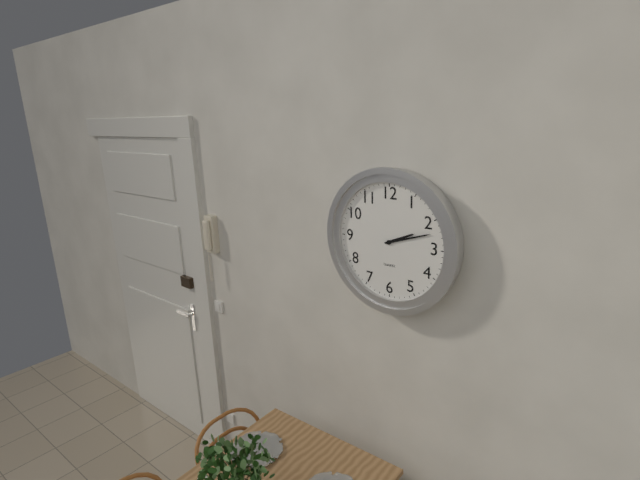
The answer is 2:12
